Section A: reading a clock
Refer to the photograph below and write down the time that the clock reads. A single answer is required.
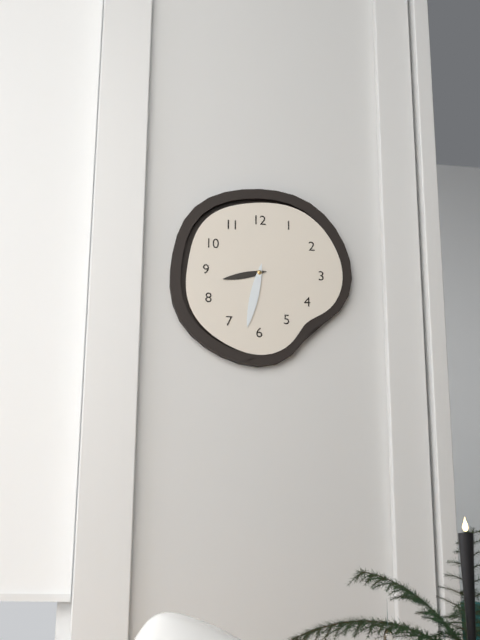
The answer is 8:32
